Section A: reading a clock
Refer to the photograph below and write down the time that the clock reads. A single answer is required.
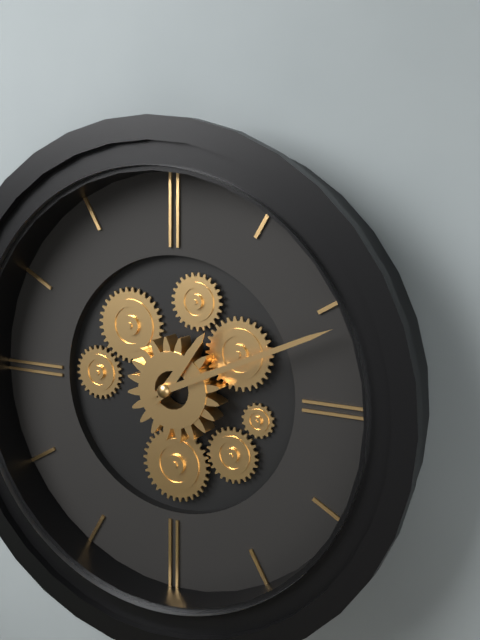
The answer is 1:11
